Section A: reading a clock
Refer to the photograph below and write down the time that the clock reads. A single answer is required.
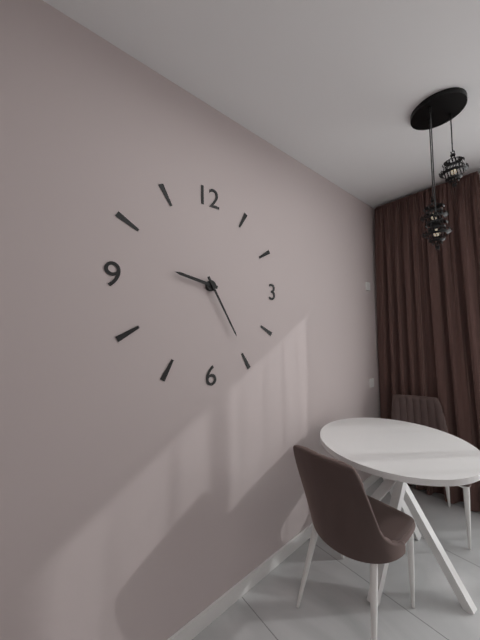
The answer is 9:25
